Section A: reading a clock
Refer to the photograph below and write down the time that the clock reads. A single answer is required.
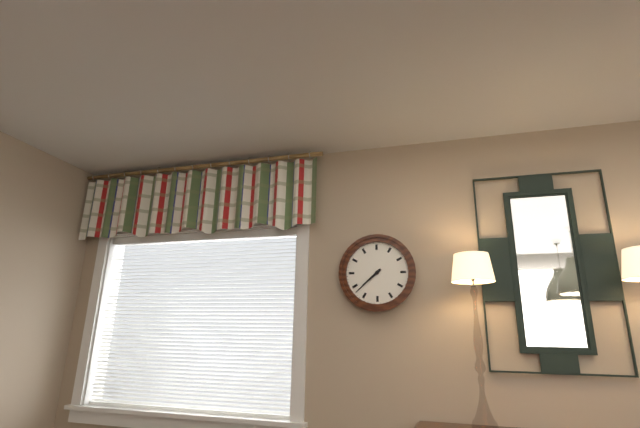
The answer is 7:38
